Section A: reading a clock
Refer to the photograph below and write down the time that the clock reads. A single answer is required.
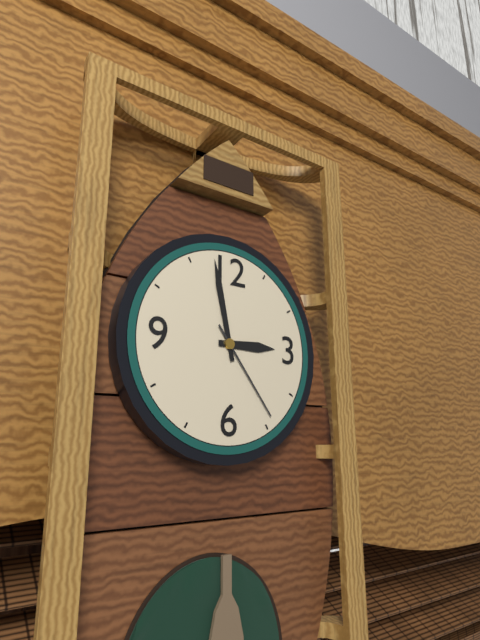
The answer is 2:58:24
